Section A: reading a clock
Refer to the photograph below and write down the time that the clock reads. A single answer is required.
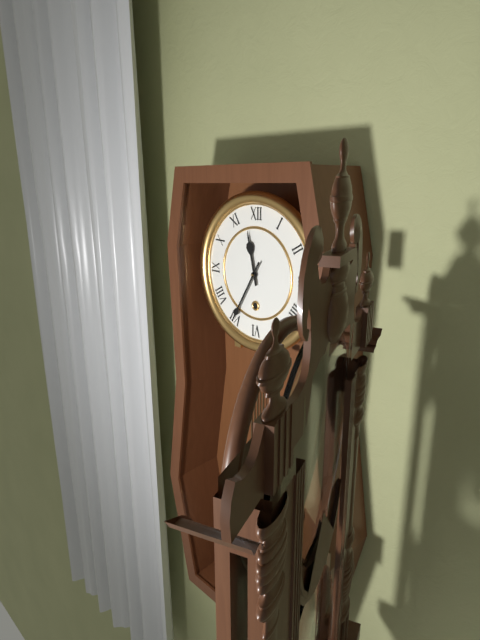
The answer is 11:35
